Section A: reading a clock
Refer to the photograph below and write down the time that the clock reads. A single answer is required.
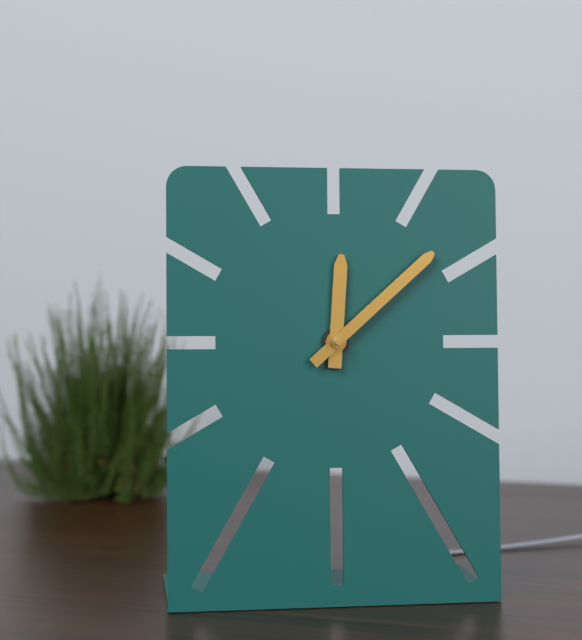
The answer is 12:08
